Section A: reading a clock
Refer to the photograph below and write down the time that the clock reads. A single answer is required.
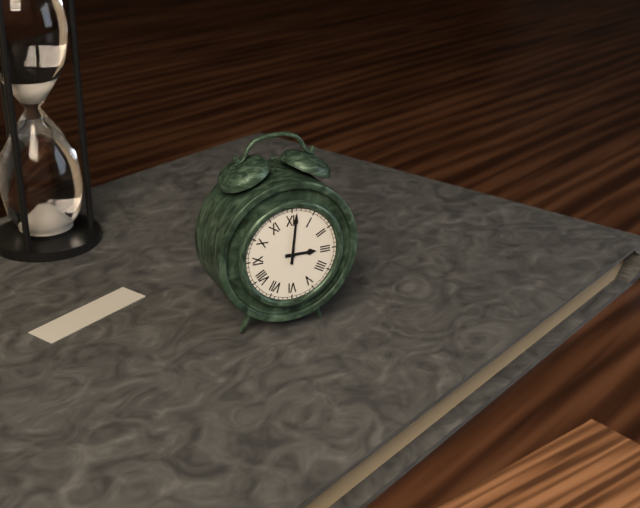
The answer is 3:01
